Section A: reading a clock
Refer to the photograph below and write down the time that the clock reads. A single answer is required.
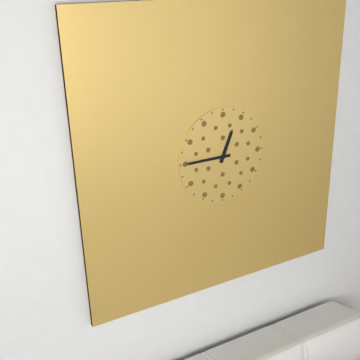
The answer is 12:45
